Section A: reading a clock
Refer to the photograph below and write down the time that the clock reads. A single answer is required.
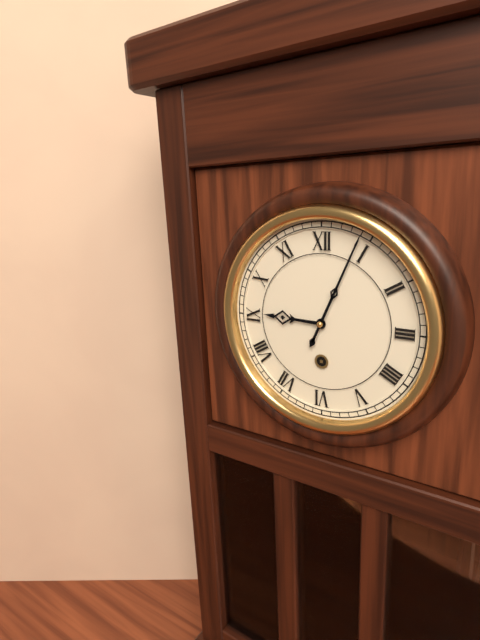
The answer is 9:04
